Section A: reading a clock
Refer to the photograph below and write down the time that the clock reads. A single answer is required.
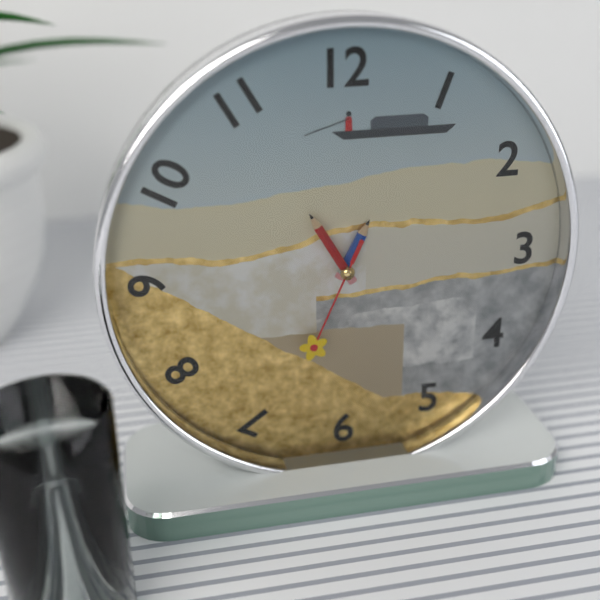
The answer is 12:55:34
